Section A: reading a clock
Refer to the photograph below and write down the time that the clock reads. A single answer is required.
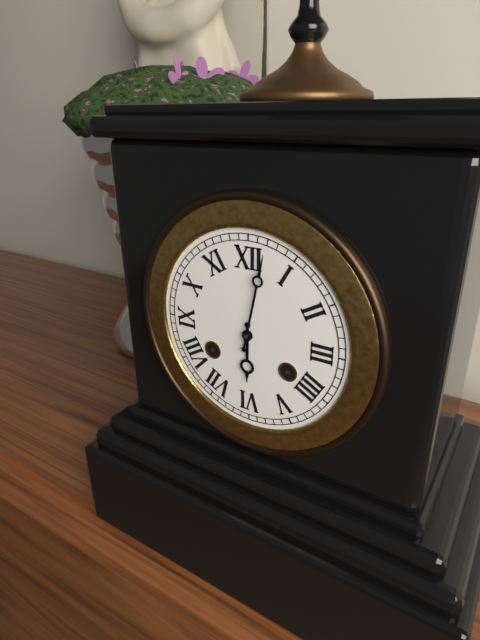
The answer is 6:02
